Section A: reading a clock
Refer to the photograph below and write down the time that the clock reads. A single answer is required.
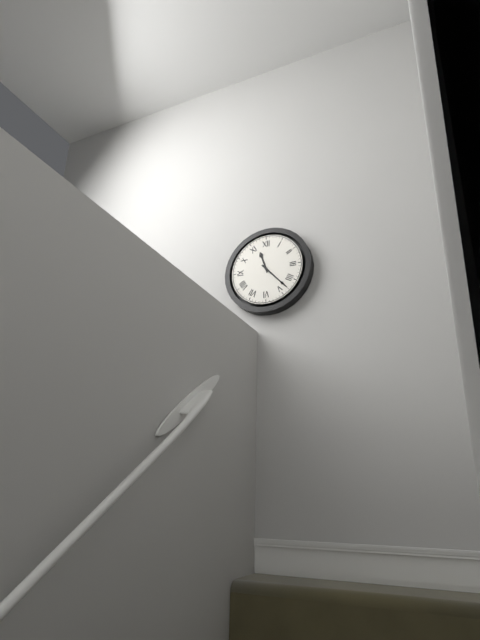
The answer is 11:23
